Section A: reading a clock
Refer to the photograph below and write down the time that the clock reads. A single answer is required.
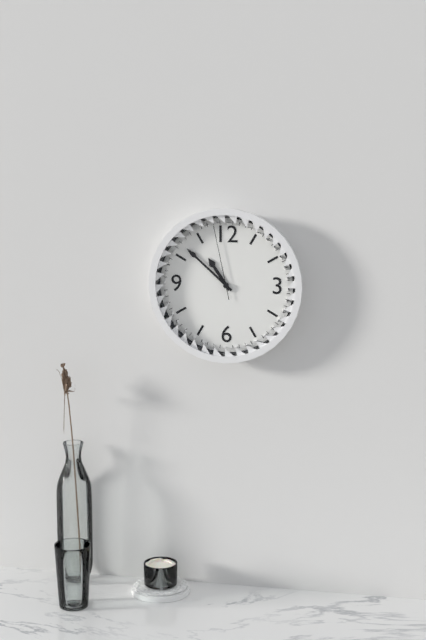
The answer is 10:52:58
